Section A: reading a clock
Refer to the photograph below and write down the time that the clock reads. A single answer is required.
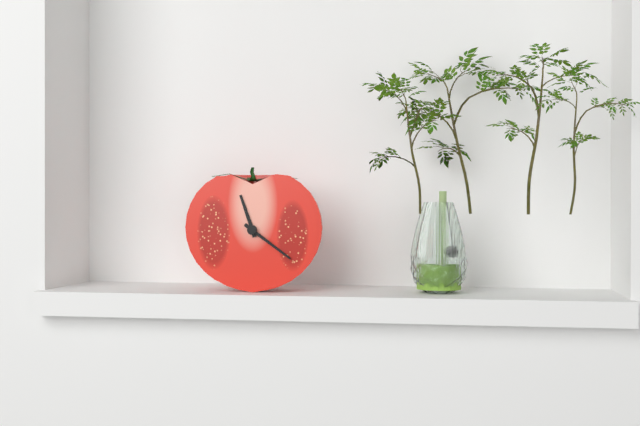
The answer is 11:21
